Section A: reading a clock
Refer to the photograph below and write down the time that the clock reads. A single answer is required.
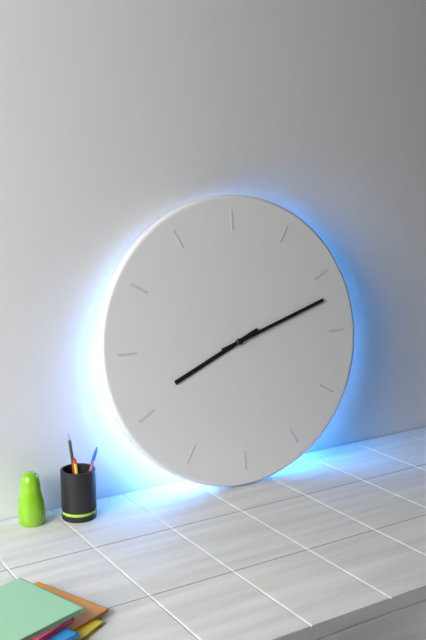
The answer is 8:12
